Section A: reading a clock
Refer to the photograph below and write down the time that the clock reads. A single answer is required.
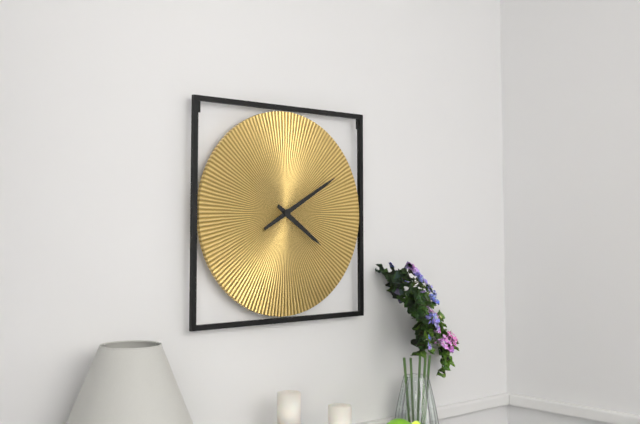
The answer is 4:10
